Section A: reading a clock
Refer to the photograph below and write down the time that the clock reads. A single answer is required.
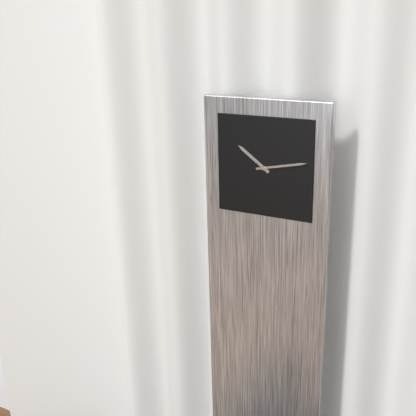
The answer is 10:13
